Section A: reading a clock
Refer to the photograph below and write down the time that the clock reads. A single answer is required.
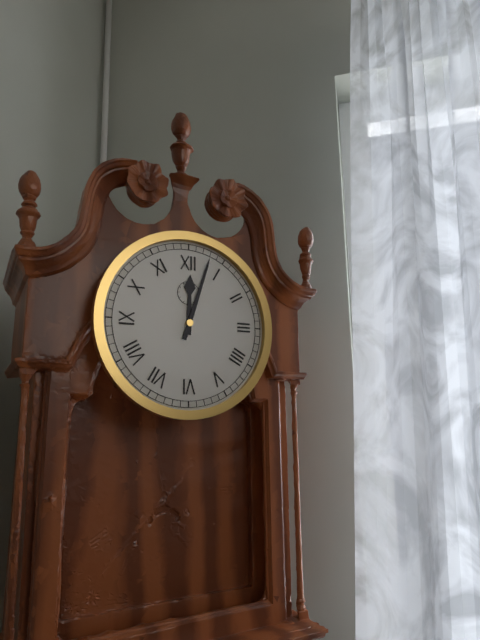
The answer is 12:03
